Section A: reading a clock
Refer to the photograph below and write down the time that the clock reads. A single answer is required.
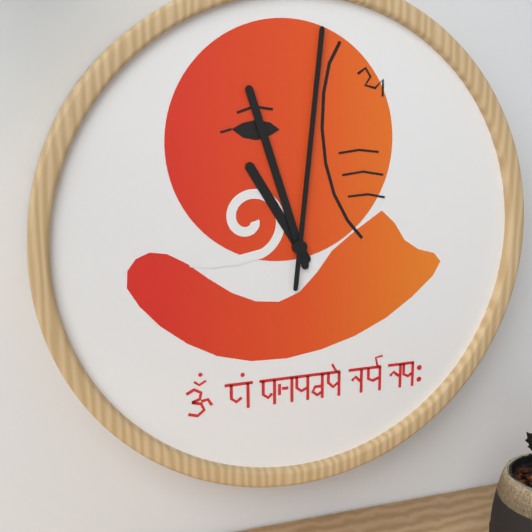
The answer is 10:57:01
